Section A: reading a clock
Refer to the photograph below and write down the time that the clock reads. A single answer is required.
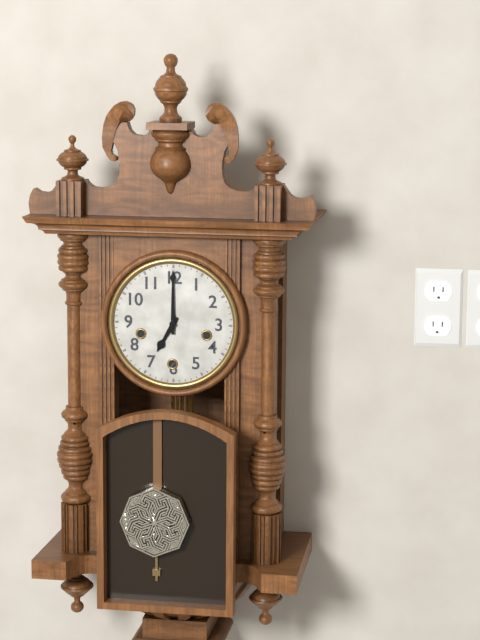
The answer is 7:00
